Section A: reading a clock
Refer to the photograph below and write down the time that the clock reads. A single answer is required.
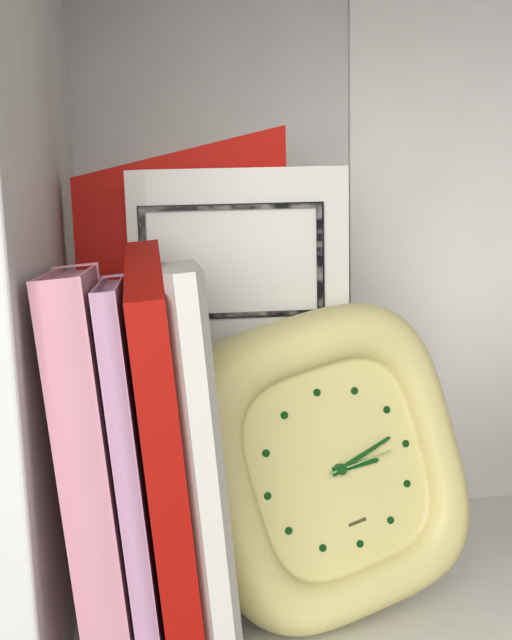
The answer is 3:13:15
